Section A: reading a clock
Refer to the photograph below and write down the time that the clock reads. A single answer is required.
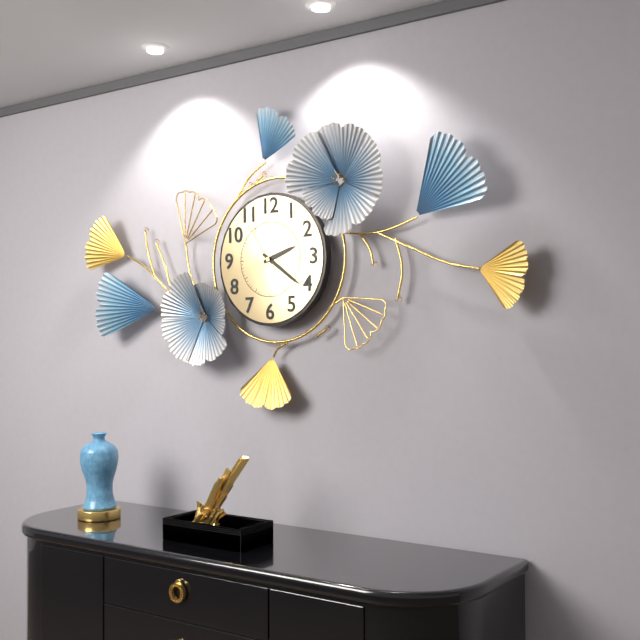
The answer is 2:21
